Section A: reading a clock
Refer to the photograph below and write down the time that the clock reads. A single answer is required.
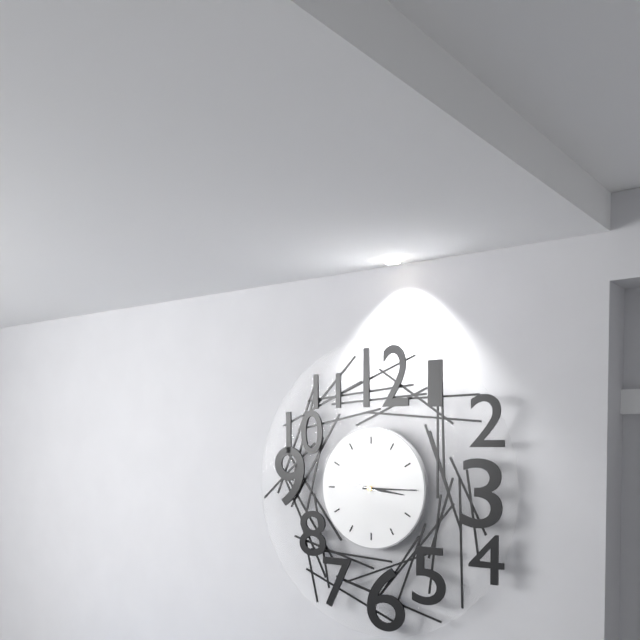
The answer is 3:15:47
